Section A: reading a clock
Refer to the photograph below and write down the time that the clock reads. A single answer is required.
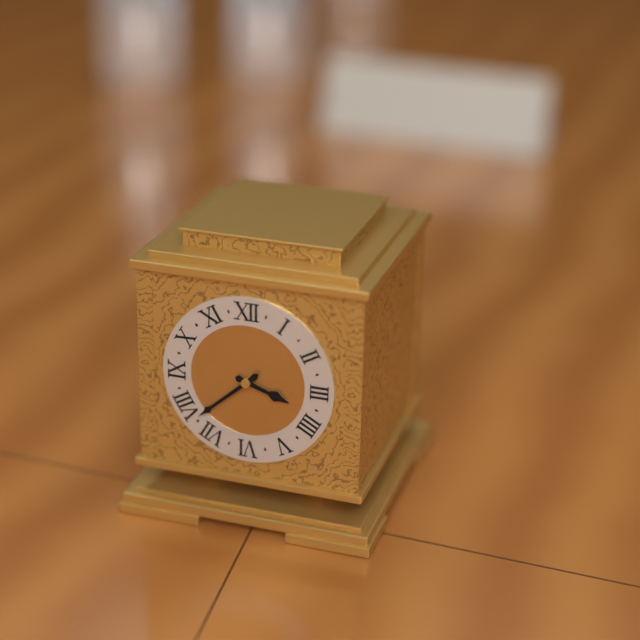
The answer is 3:38
